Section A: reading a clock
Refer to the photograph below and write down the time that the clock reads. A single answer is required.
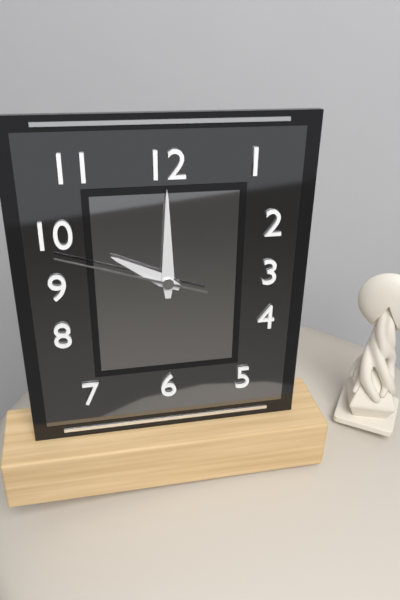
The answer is 10:00:48
